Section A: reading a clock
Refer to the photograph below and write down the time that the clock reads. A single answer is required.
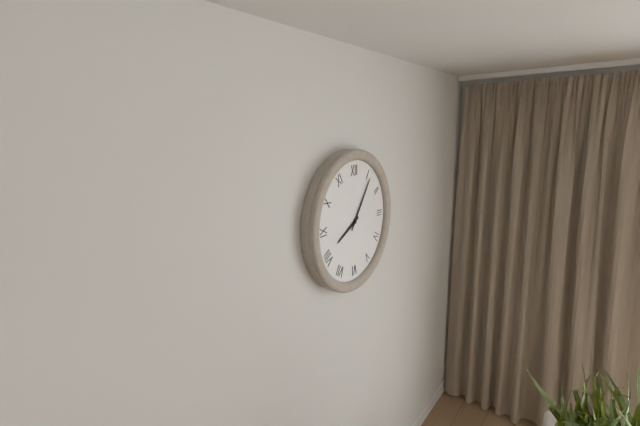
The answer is 8:06
